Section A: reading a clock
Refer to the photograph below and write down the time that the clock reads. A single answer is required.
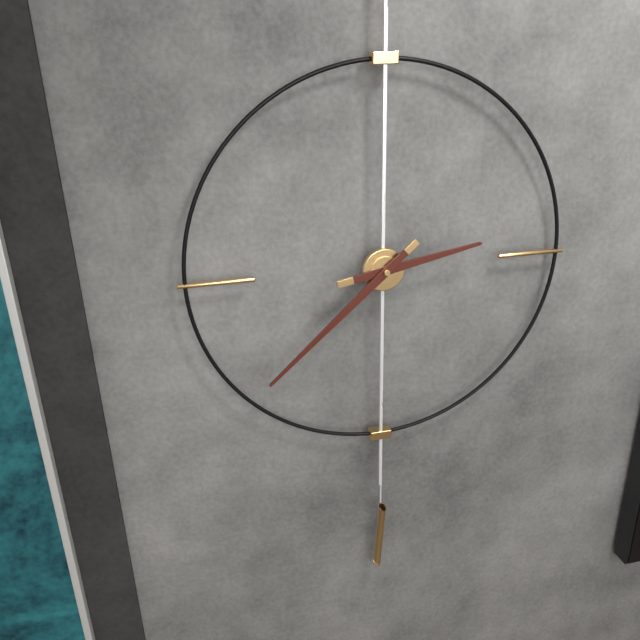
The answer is 2:38
